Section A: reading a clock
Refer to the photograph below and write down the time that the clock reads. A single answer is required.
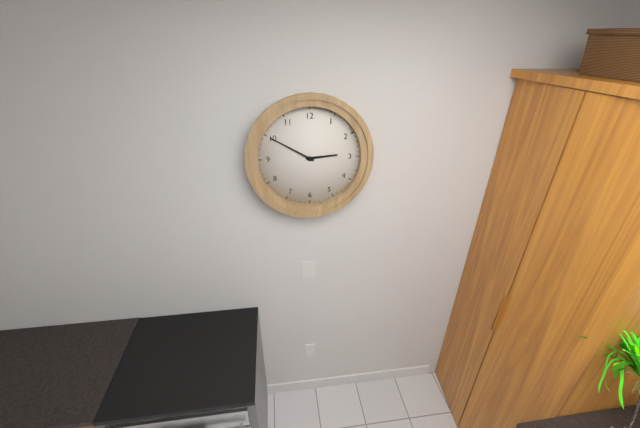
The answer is 2:50
